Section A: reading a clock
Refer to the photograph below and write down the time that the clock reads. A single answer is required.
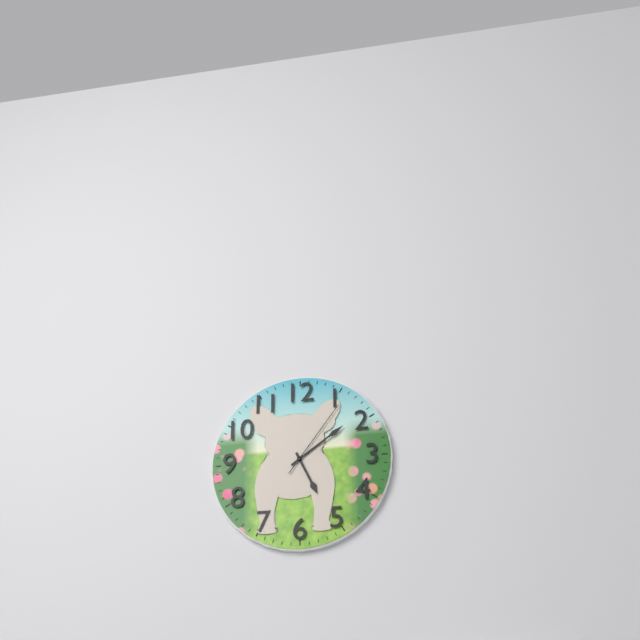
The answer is 5:09:06
